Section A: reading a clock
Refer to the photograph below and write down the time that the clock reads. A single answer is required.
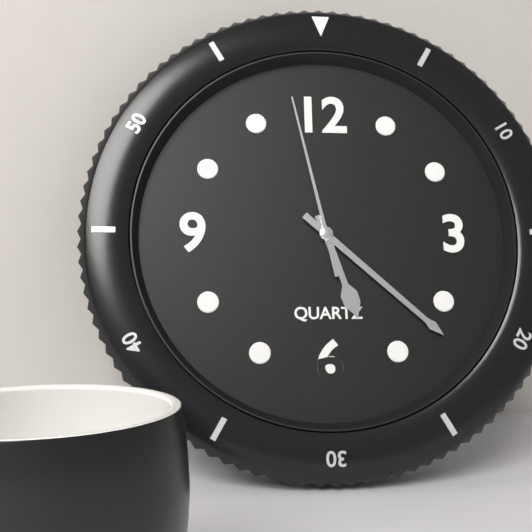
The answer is 5:22:58
